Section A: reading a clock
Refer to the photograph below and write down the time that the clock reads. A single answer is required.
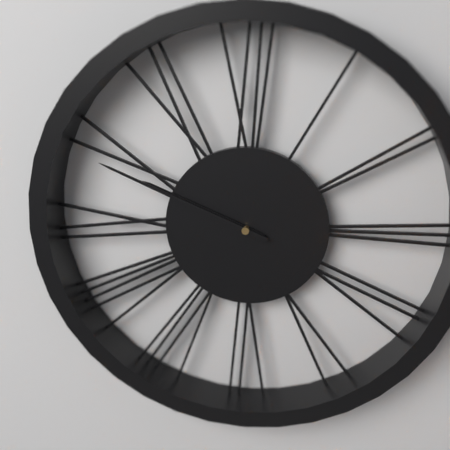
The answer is 9:49
